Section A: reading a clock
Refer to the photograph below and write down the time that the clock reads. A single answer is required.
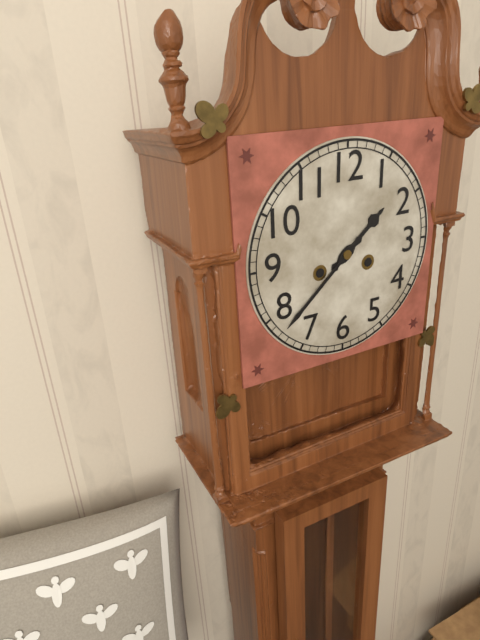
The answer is 1:38
